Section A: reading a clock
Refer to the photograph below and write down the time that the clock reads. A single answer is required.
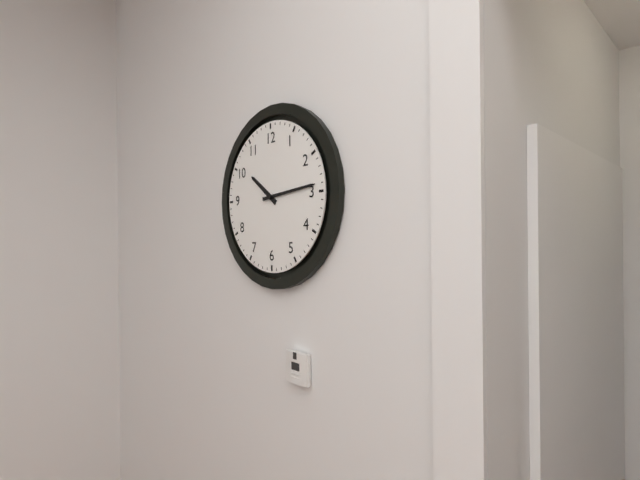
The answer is 10:14
